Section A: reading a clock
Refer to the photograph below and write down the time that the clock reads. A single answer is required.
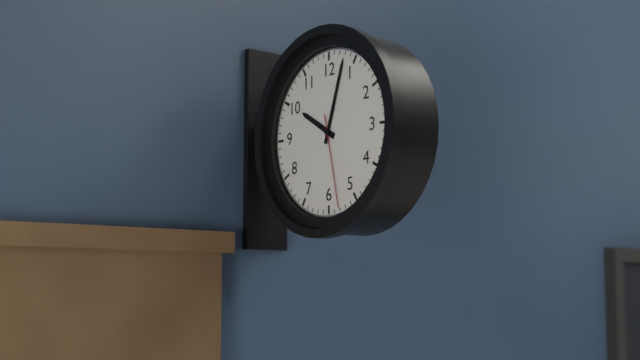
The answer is 10:03:28
